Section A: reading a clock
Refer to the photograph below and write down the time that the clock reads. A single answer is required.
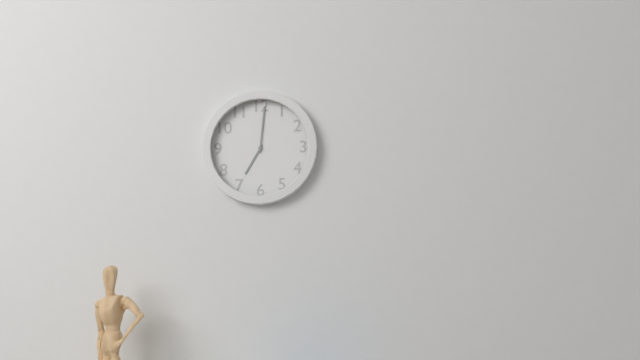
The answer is 7:01
